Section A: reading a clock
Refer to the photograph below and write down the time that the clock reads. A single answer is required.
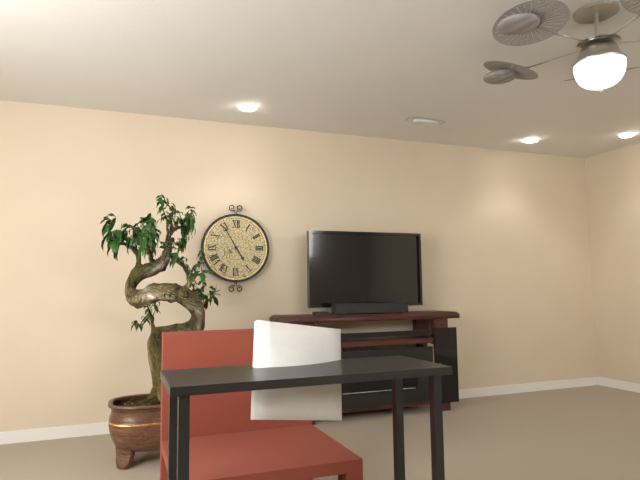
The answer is 4:55
